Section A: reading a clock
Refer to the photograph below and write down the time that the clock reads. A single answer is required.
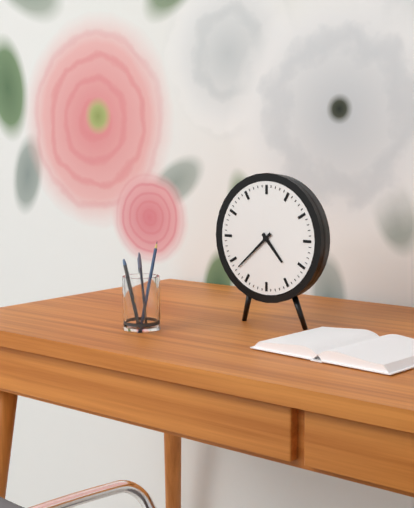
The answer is 4:38
